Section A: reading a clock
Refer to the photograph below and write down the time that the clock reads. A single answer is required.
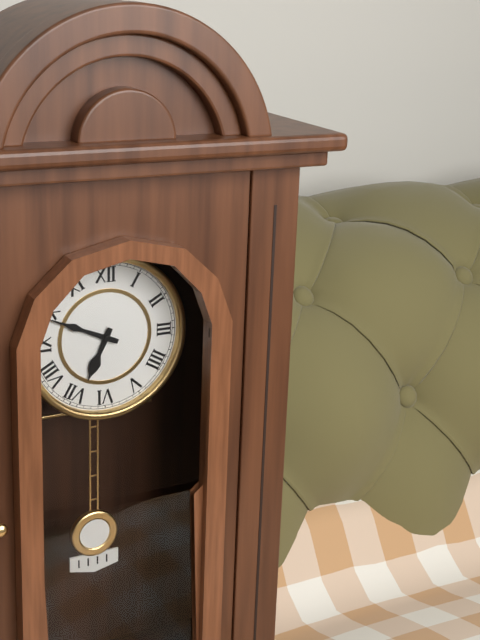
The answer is 6:49
